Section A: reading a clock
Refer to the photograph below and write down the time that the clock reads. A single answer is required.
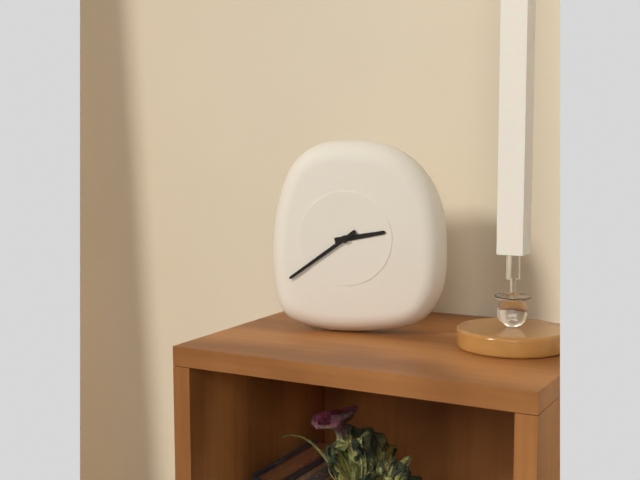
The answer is 2:39
